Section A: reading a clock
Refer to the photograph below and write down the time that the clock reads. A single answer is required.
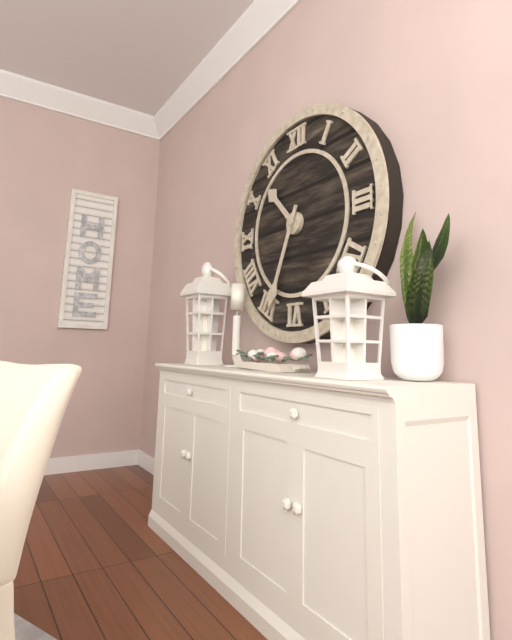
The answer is 10:34
